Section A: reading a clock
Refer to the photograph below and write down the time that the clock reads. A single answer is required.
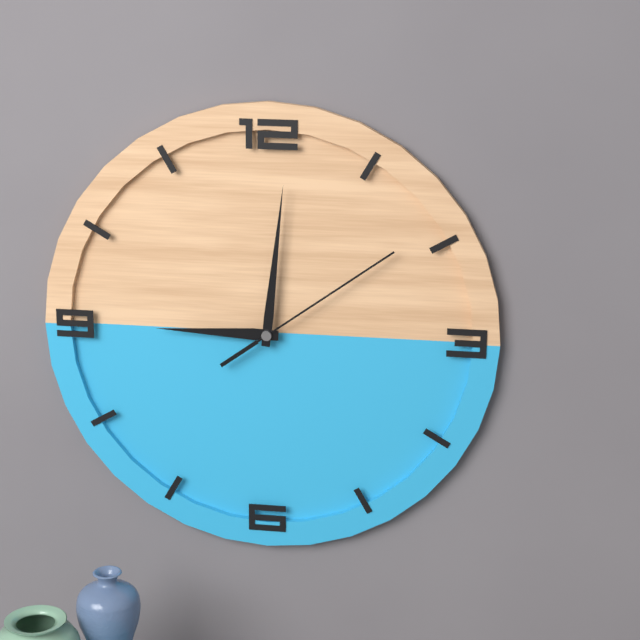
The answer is 9:01:09
